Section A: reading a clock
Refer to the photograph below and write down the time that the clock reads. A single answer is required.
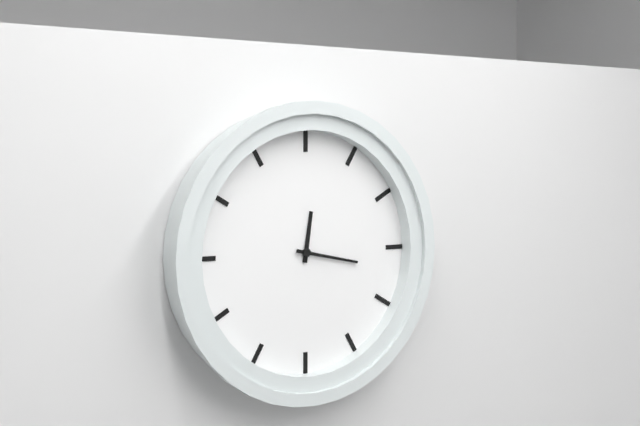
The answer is 12:17
